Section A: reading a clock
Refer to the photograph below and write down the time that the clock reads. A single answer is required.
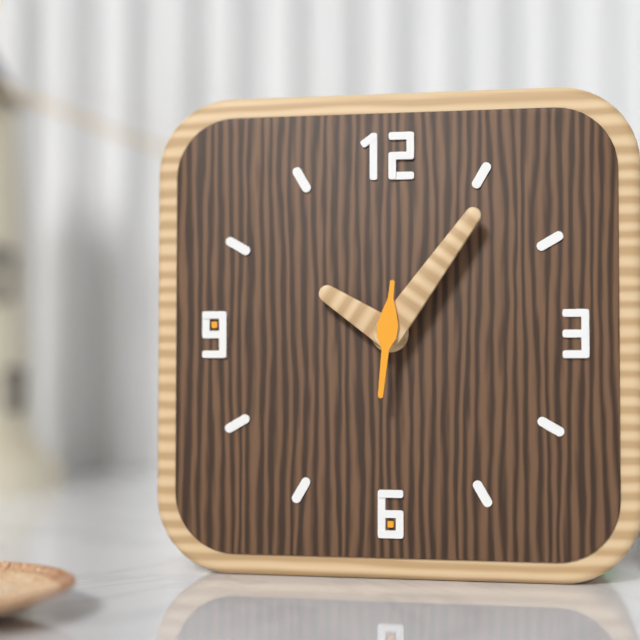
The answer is 10:06:31
